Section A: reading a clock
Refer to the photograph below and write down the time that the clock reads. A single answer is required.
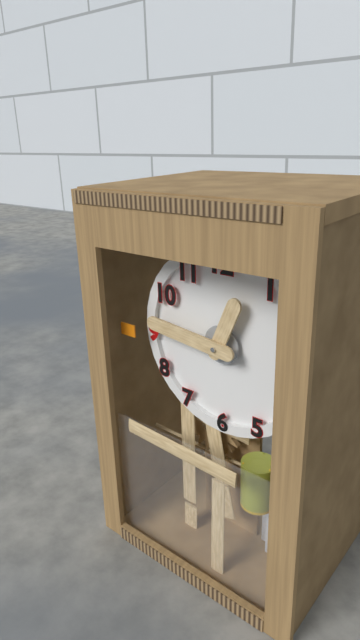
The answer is 12:46
